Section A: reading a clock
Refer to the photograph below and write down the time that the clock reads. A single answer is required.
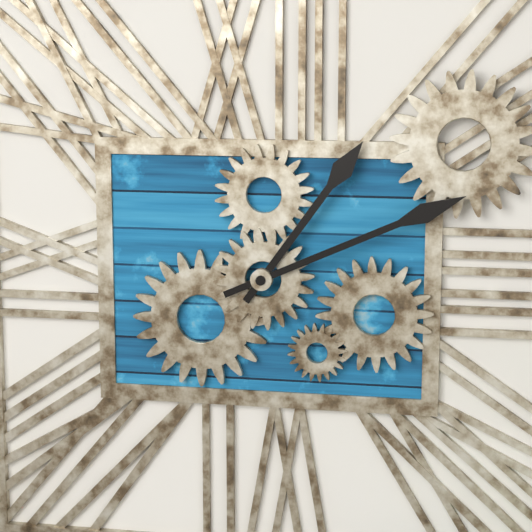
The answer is 1:11
